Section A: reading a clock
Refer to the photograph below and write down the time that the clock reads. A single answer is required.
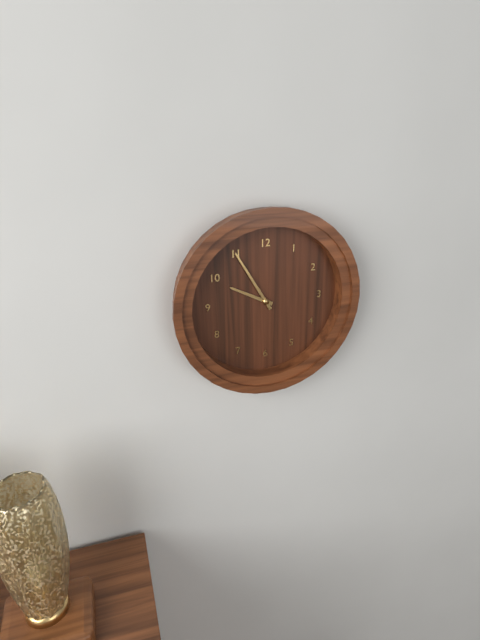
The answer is 9:55
